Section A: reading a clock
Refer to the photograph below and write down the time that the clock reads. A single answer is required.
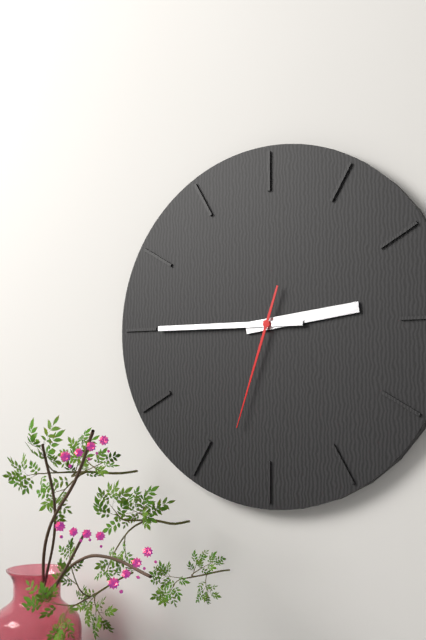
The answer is 2:45:33
